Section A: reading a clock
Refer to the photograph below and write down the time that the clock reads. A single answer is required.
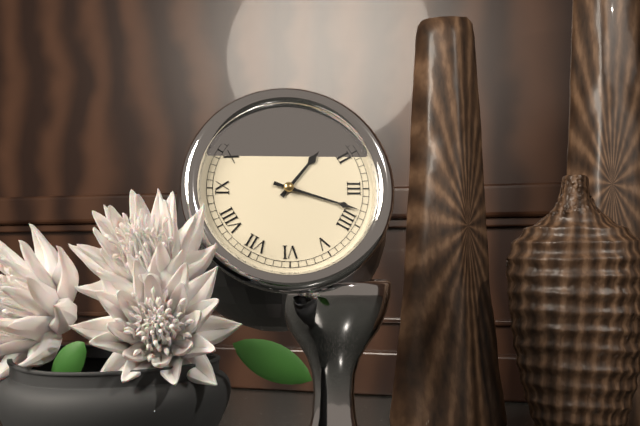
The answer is 1:18
